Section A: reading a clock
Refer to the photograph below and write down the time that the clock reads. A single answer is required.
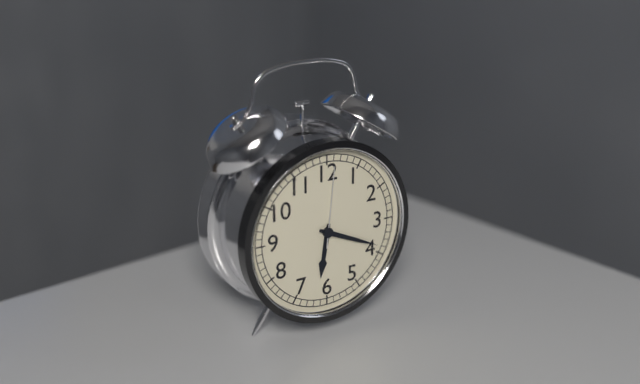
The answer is 6:19:01
